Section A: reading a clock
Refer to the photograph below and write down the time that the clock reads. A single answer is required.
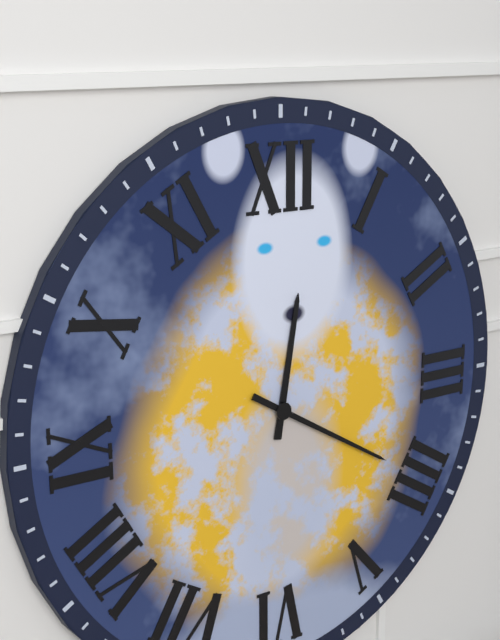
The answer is 12:20
